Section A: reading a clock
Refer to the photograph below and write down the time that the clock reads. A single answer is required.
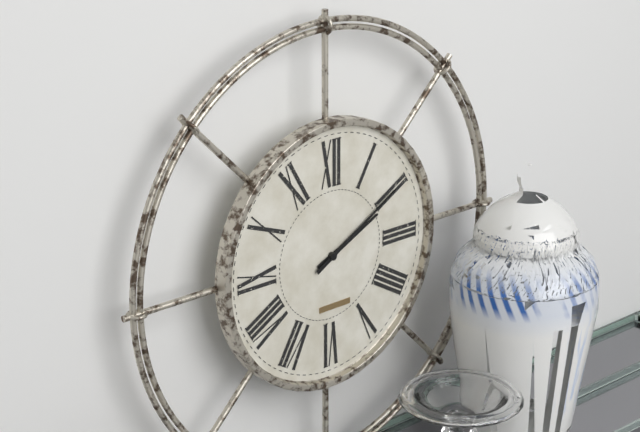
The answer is 2:10
